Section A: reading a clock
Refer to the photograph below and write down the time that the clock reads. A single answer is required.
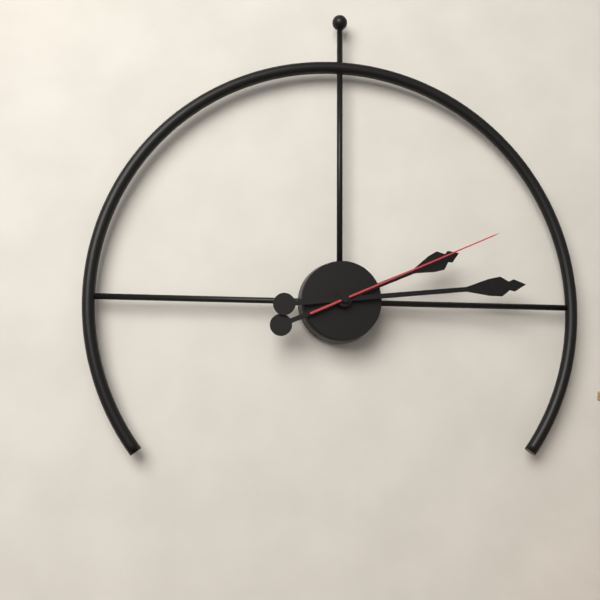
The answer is 2:14:11
